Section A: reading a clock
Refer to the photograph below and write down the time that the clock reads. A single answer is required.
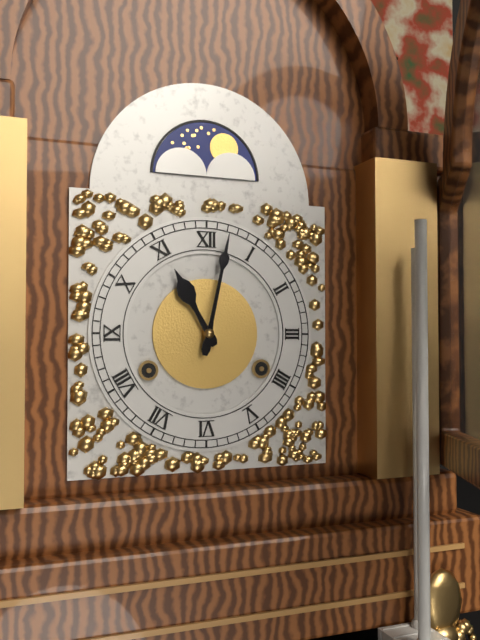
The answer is 11:02
